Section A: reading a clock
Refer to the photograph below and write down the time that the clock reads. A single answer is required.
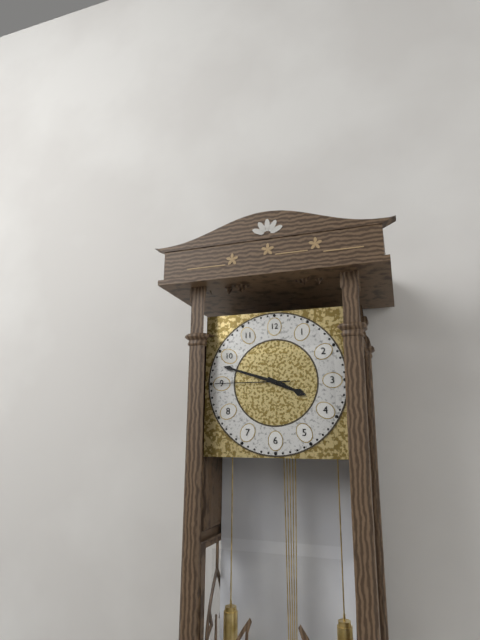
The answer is 3:48:45
